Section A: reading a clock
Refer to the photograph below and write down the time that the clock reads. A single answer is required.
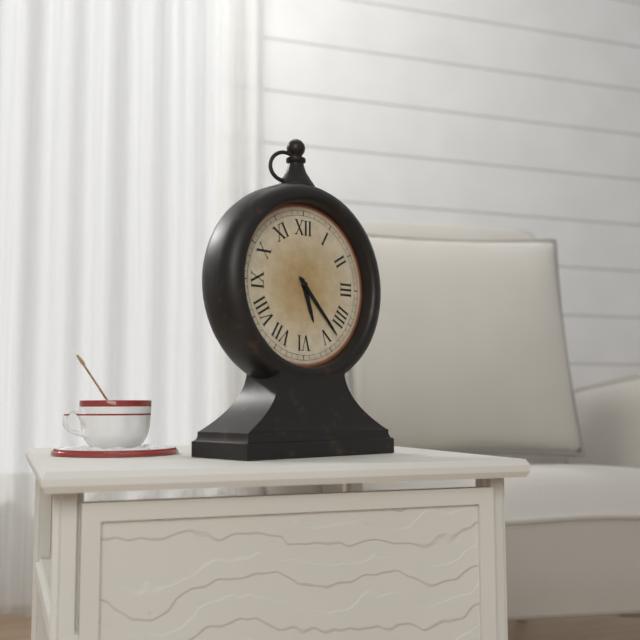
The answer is 5:23
